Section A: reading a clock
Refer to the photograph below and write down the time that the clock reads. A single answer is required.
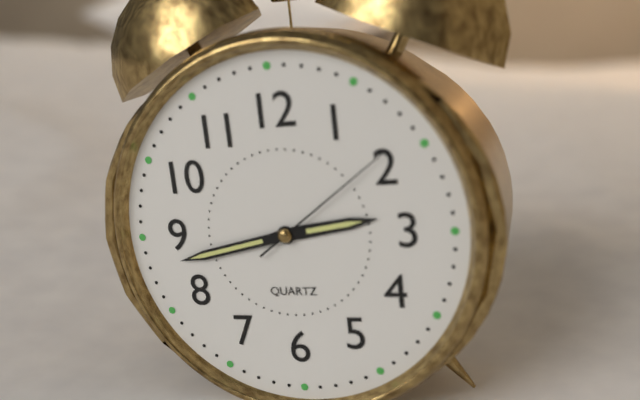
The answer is 2:43:09
